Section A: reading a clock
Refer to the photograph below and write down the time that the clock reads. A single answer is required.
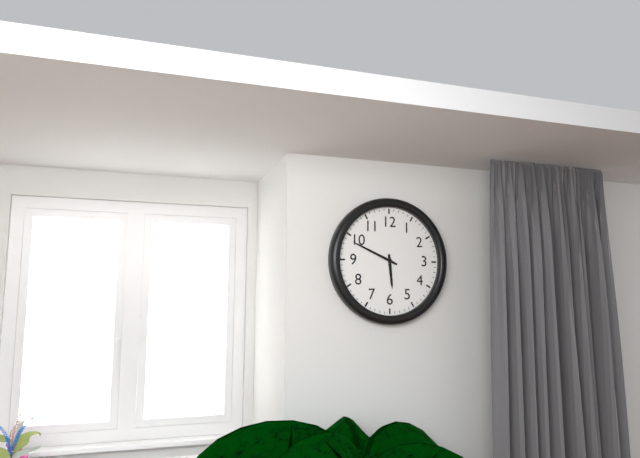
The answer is 5:49
